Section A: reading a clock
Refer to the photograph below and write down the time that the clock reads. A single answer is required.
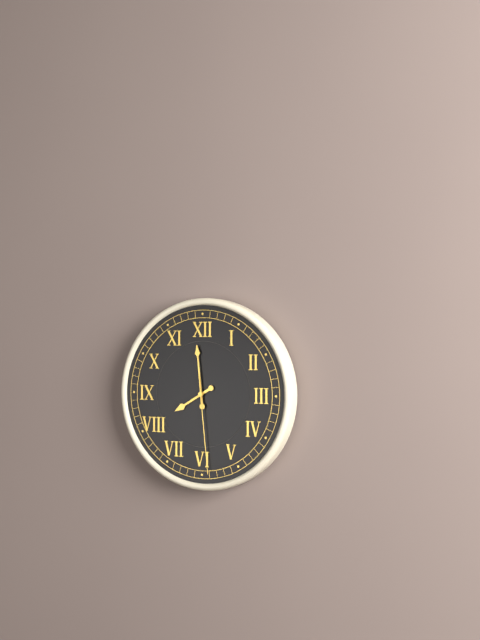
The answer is 7:59:29
